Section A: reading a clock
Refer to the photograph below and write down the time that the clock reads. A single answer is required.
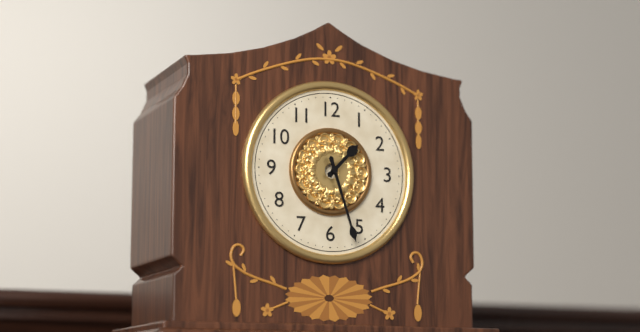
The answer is 1:27
